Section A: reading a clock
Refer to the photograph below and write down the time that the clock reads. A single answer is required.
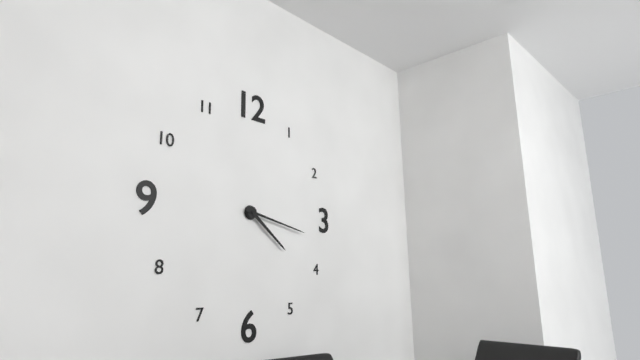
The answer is 4:17
